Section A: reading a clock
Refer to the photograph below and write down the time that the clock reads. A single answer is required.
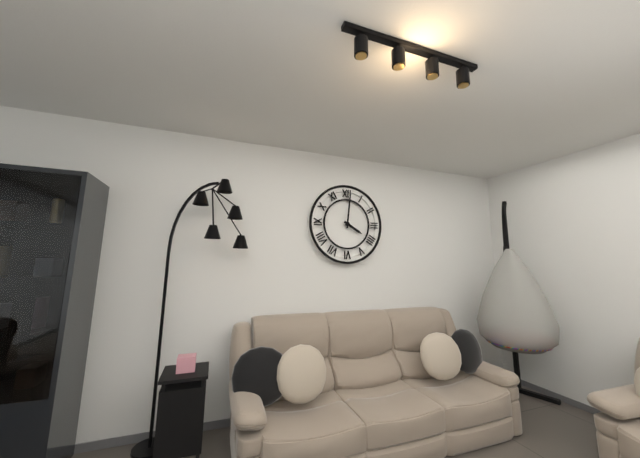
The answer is 4:01
